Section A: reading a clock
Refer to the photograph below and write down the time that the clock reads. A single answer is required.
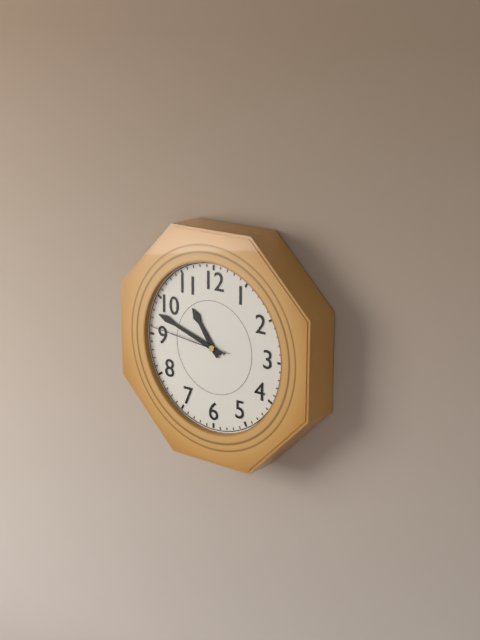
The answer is 10:48:46
